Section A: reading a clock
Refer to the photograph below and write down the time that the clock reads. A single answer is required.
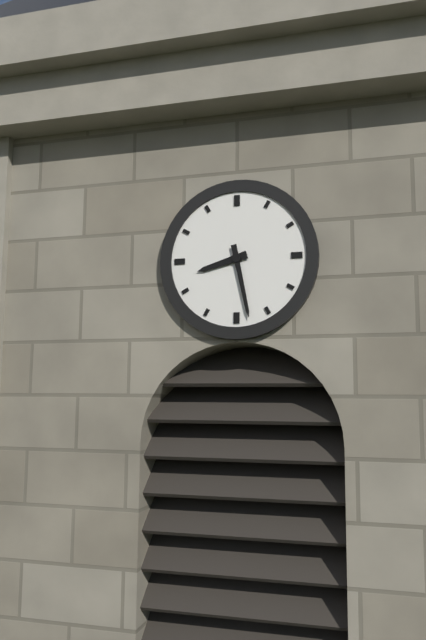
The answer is 8:28
